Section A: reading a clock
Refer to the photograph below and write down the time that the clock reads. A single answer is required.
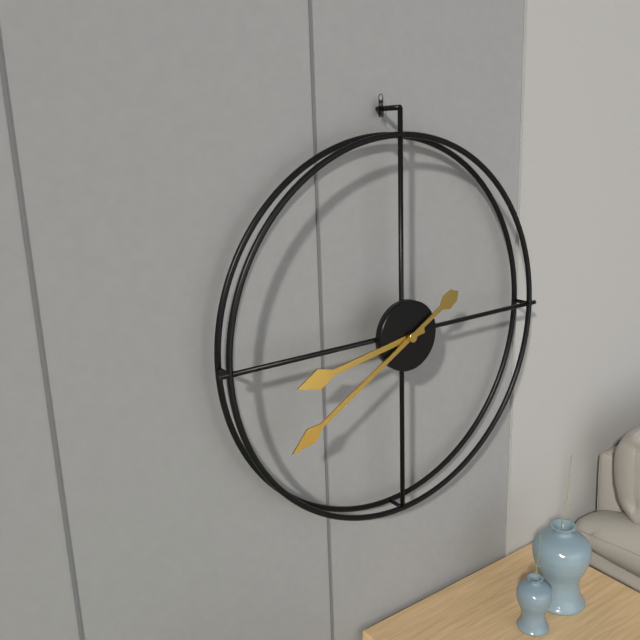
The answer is 8:40
